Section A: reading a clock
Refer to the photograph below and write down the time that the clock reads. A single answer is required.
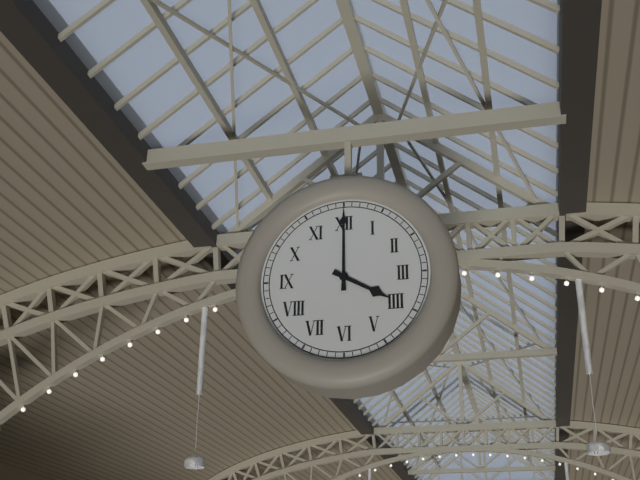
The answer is 4:00
